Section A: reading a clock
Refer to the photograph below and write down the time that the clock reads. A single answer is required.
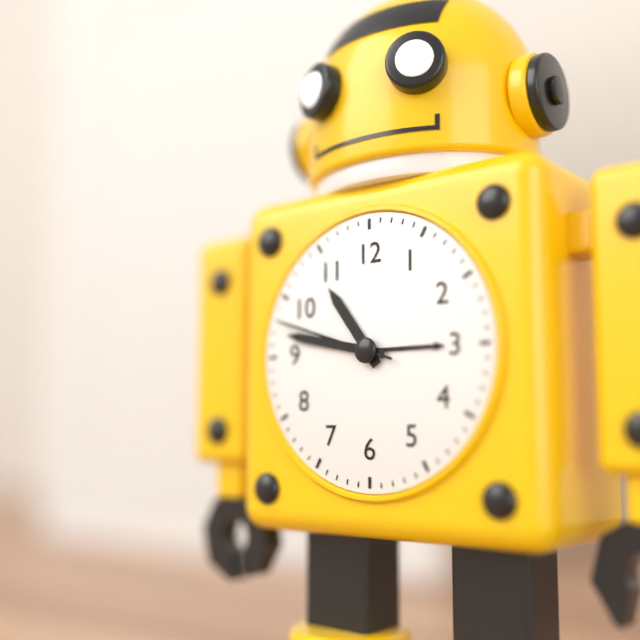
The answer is 10:47:48
